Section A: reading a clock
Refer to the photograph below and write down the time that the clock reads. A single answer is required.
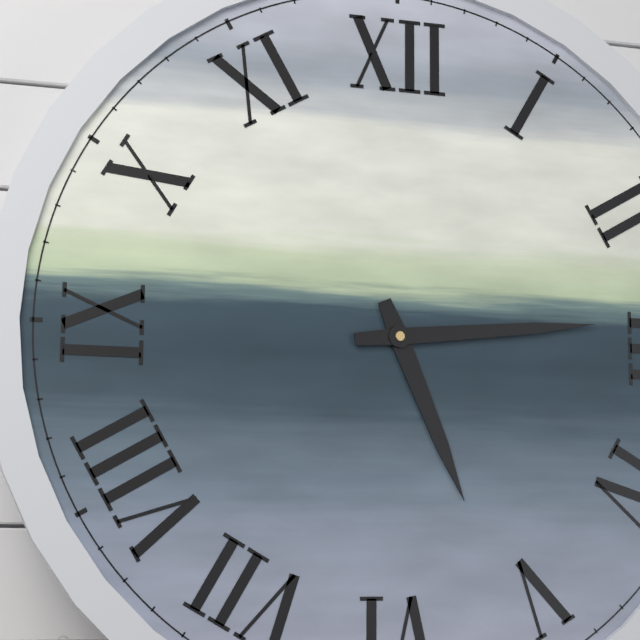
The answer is 5:14
